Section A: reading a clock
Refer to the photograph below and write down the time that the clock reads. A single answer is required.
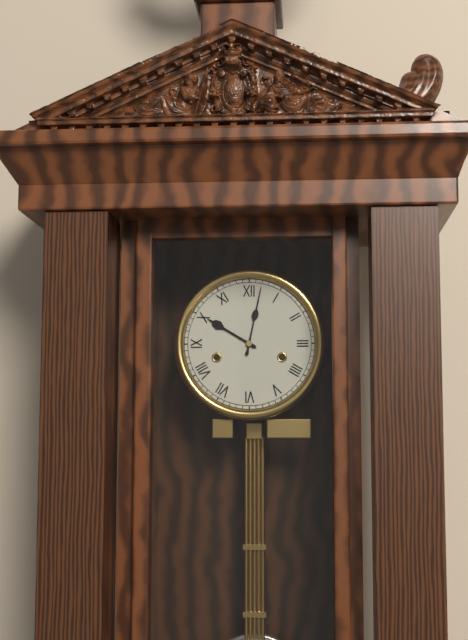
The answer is 10:02
